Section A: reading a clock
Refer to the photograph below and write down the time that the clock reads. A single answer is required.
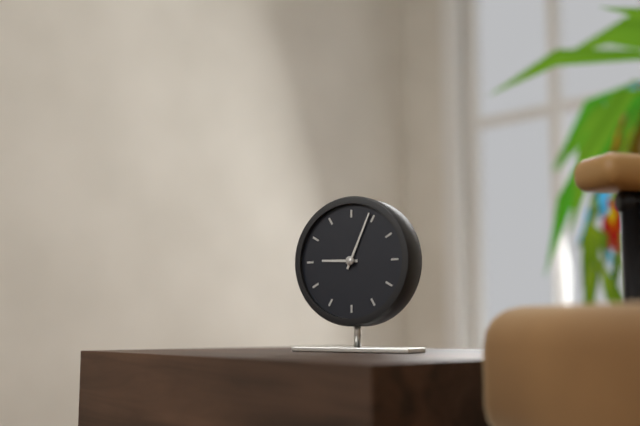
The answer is 9:04
